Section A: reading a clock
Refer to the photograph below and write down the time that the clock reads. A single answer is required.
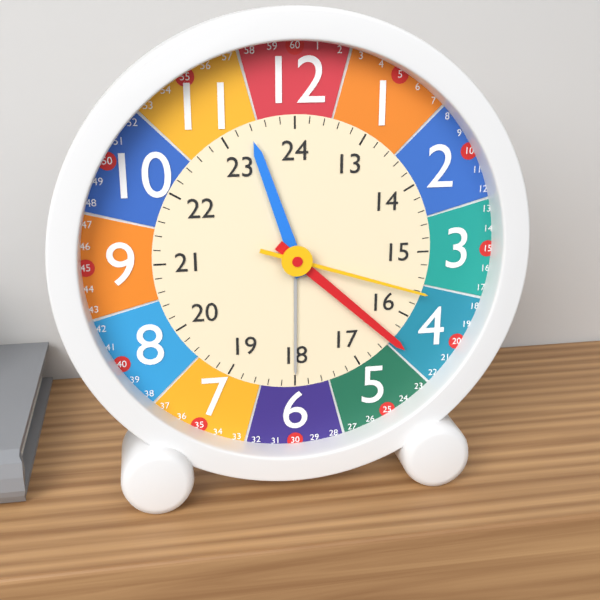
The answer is 11:22:18
